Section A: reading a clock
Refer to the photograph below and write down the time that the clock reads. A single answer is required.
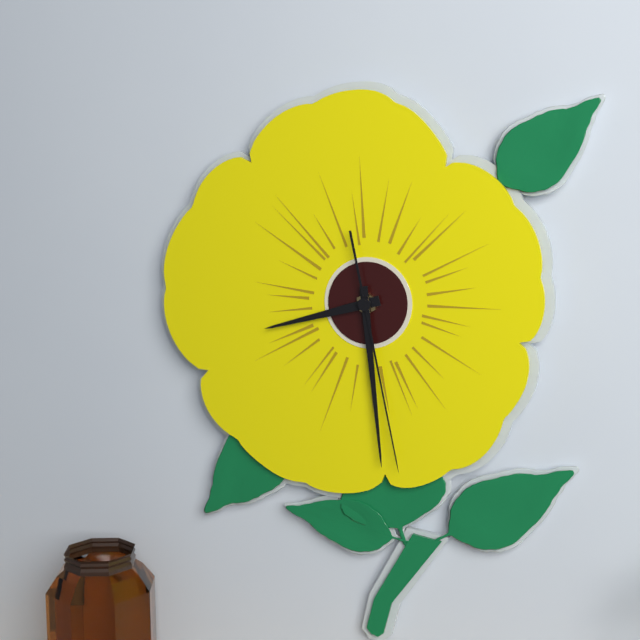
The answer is 8:29:28
